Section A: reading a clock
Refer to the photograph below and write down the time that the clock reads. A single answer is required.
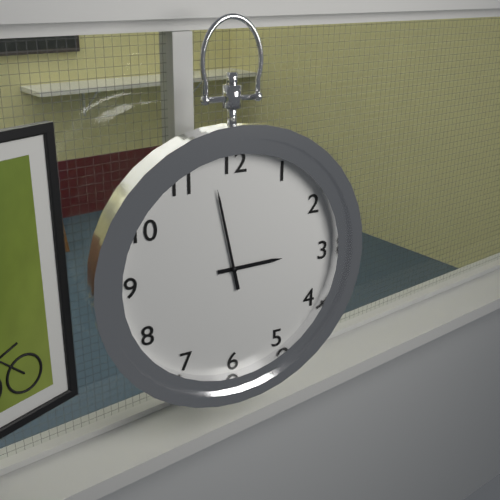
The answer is 2:58
